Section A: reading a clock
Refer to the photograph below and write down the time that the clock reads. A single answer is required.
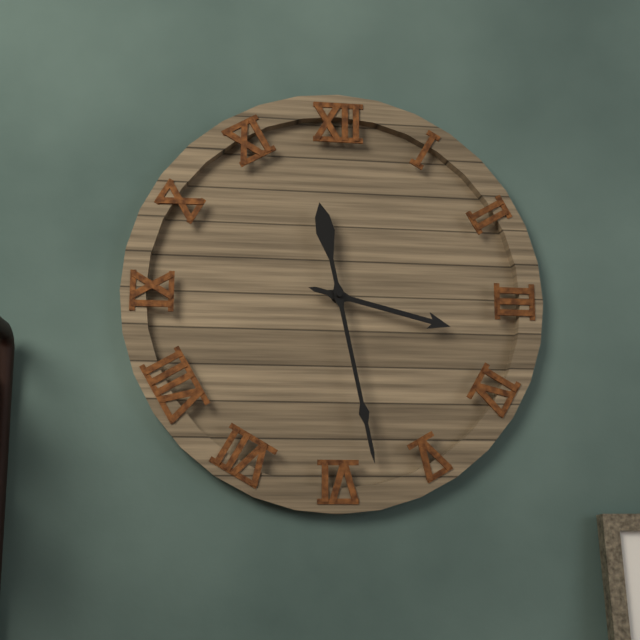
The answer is 3:28
